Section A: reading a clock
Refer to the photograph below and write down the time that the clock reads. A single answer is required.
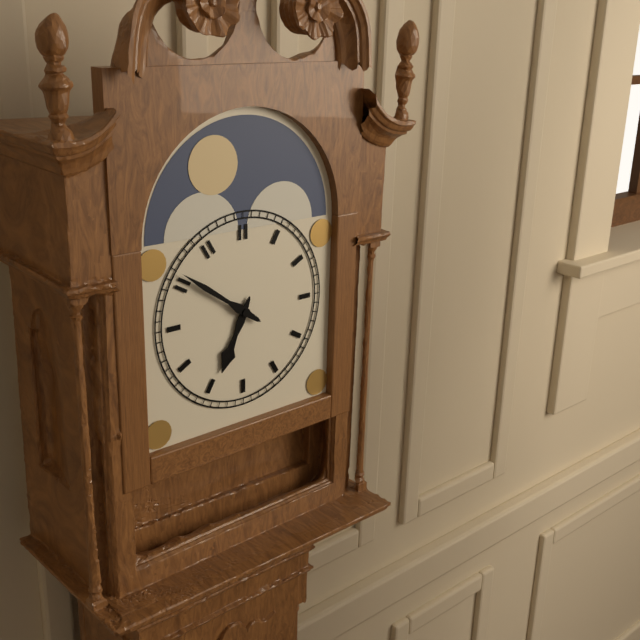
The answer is 6:51
